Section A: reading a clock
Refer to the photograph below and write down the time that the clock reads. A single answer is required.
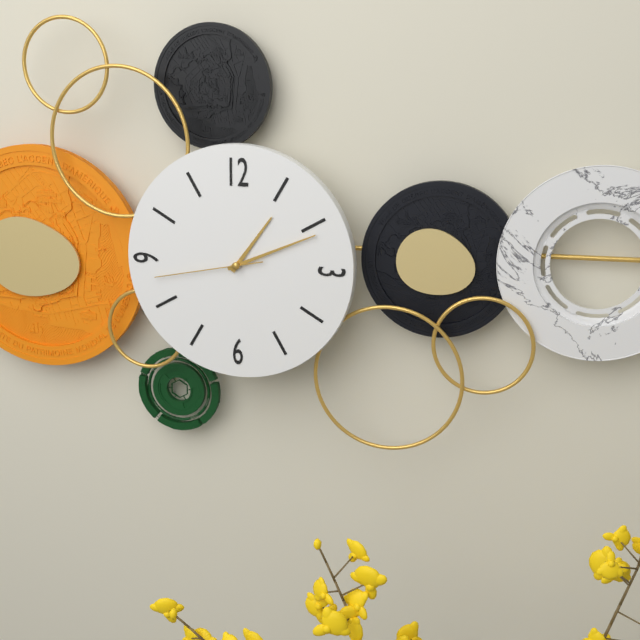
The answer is 1:11:43
